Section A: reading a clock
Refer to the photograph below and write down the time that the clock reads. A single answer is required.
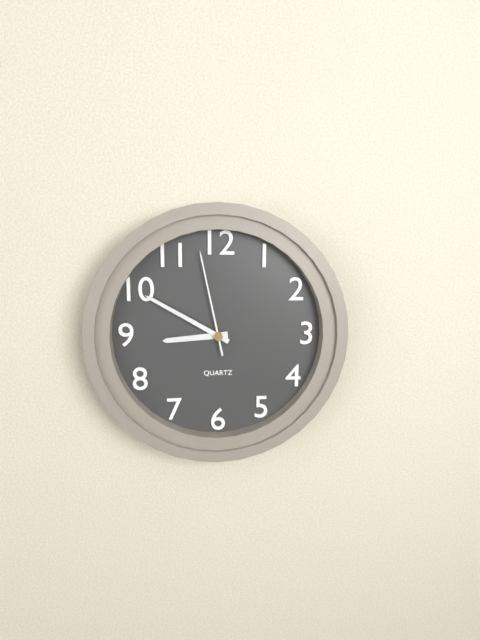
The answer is 8:50:58
